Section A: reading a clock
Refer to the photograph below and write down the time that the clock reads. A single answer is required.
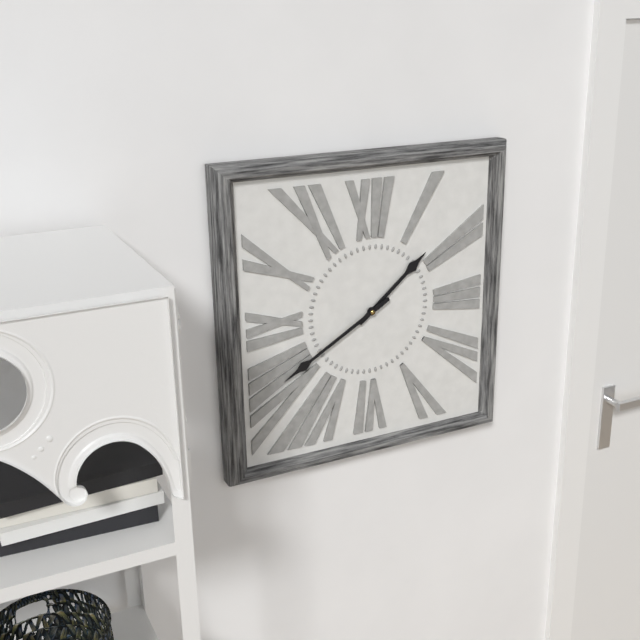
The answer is 1:40
